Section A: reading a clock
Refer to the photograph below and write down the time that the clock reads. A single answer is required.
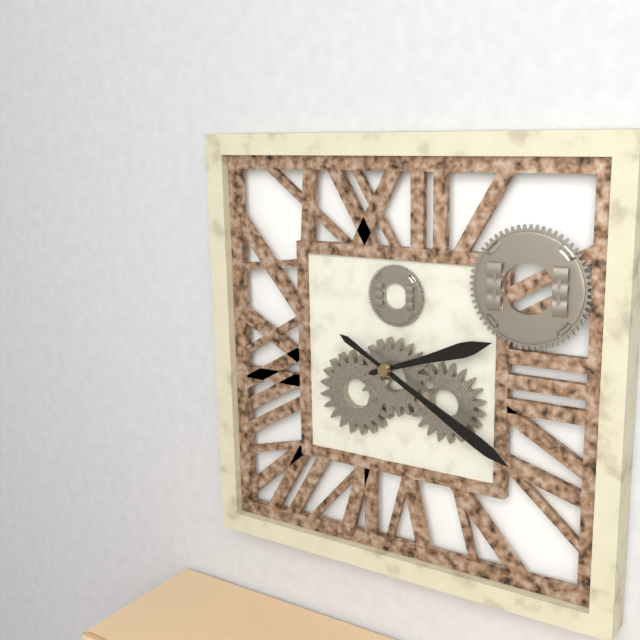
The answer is 2:20
